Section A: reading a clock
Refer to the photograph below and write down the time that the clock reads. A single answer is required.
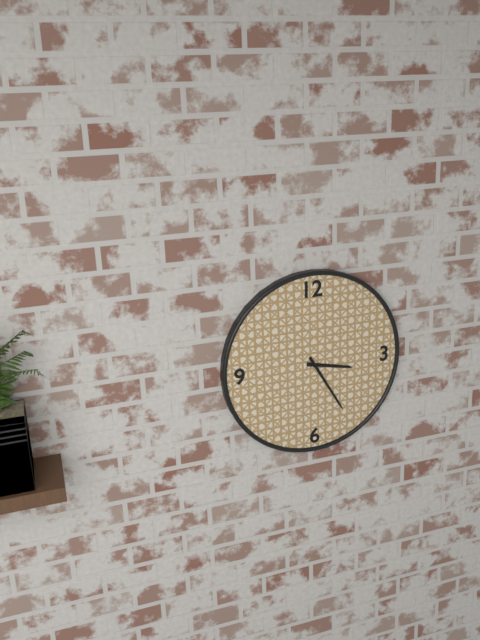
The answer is 3:25
